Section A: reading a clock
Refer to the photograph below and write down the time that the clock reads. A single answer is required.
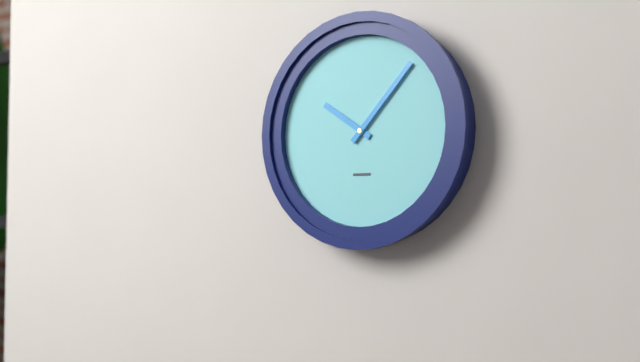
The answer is 10:07
